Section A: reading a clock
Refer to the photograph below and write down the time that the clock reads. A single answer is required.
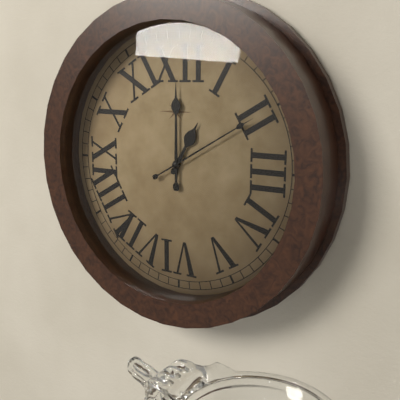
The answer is 1:00:10
